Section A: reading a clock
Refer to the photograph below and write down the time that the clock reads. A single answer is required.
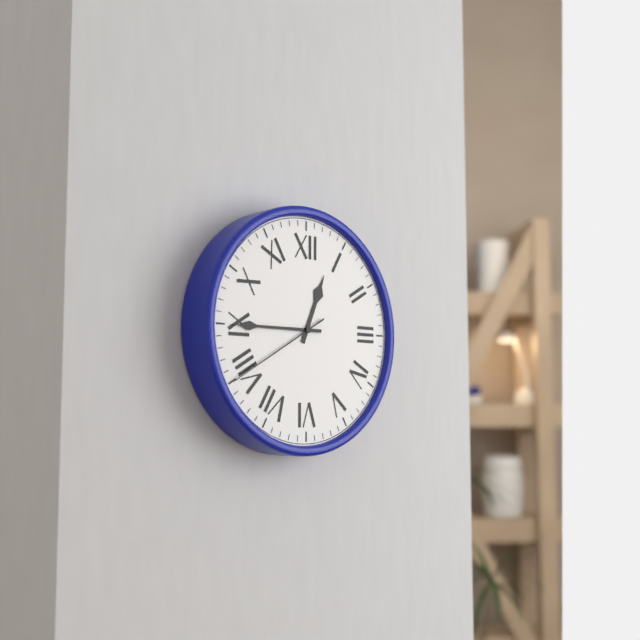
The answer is 12:45:40
